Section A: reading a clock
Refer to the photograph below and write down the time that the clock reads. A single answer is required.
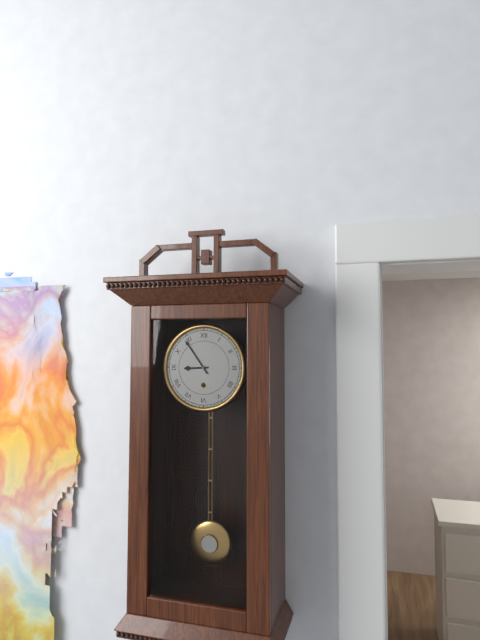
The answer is 8:54
